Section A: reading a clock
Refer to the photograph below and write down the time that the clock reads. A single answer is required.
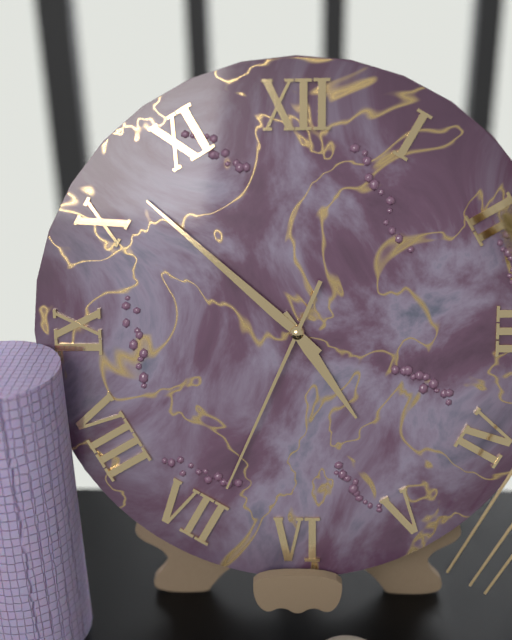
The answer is 4:52:34
